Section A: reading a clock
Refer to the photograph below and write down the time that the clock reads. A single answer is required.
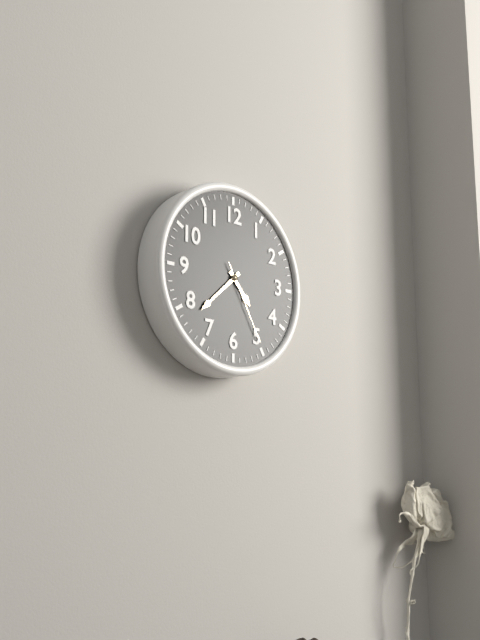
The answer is 4:38:25
